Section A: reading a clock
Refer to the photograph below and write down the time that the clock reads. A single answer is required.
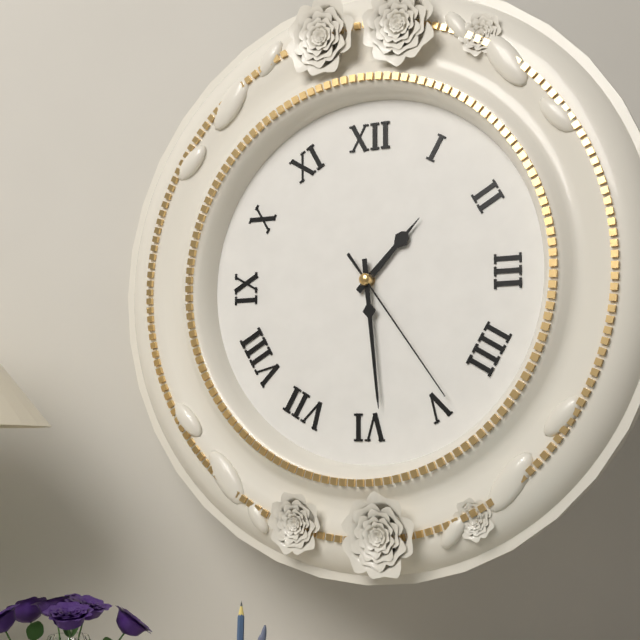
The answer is 1:29:24
